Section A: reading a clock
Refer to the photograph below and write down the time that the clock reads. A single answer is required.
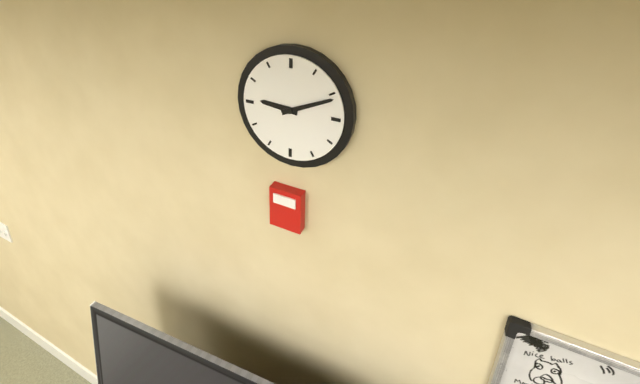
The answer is 9:11
